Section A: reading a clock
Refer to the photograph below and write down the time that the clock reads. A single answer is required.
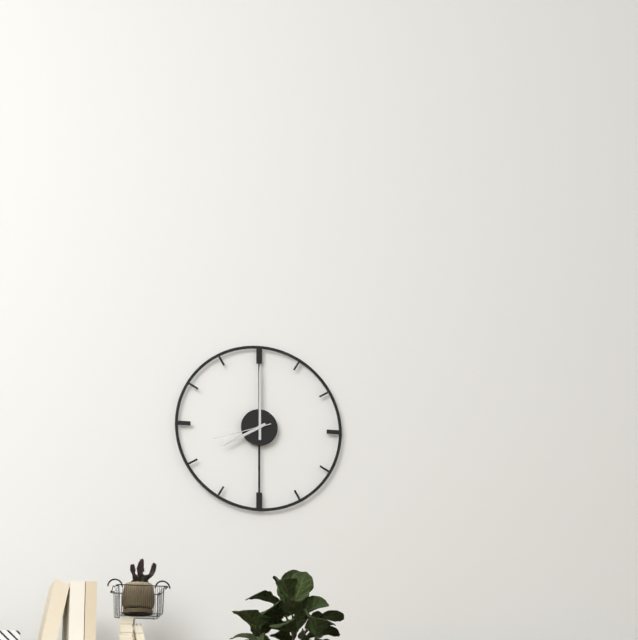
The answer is 8:00:42
